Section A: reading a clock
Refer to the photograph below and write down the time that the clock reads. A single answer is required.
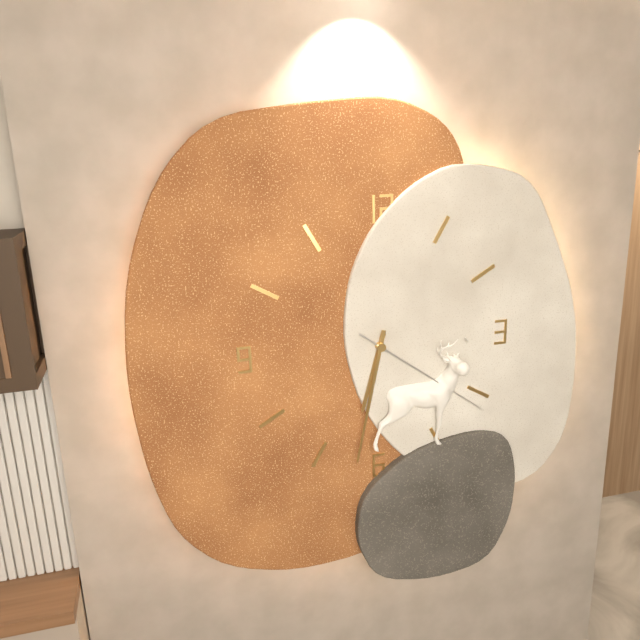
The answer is 6:32:21
